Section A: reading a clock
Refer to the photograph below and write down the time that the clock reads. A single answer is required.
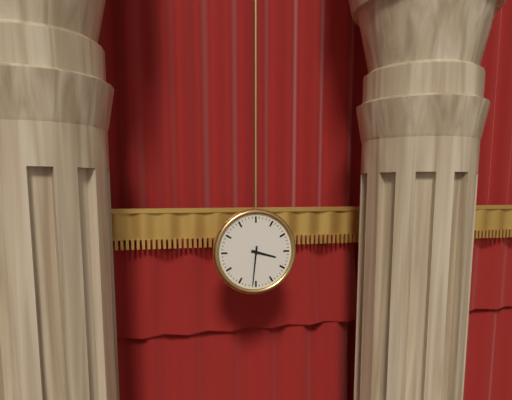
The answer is 3:31
